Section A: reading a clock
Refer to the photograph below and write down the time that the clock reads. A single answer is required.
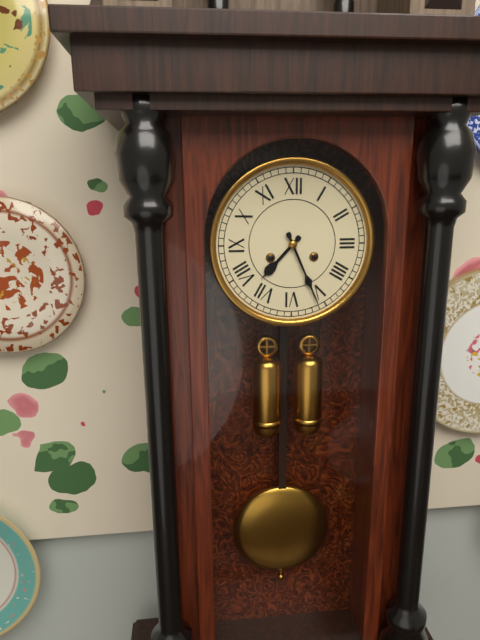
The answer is 7:26
